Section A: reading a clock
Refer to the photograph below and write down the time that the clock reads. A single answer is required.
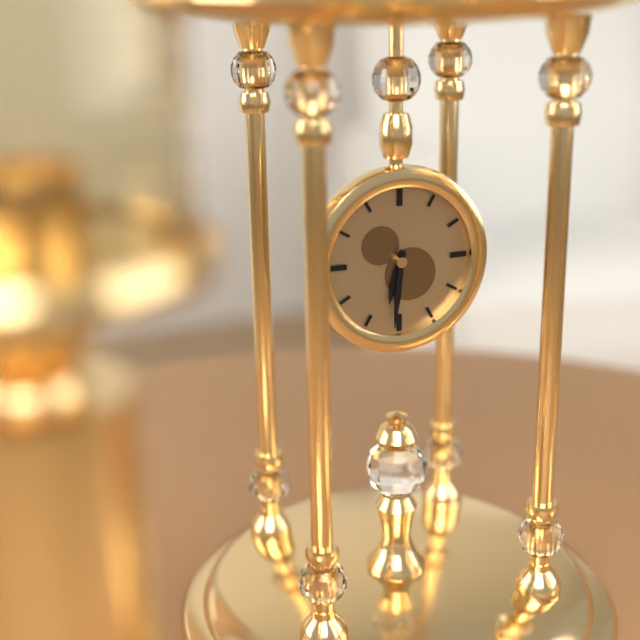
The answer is 6:31
